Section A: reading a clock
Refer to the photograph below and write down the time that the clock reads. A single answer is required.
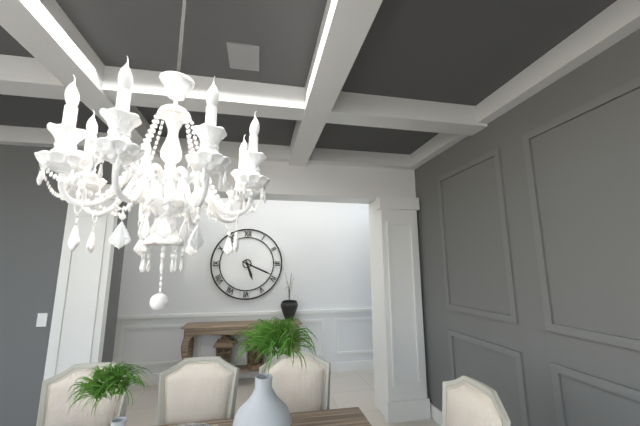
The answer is 5:19
